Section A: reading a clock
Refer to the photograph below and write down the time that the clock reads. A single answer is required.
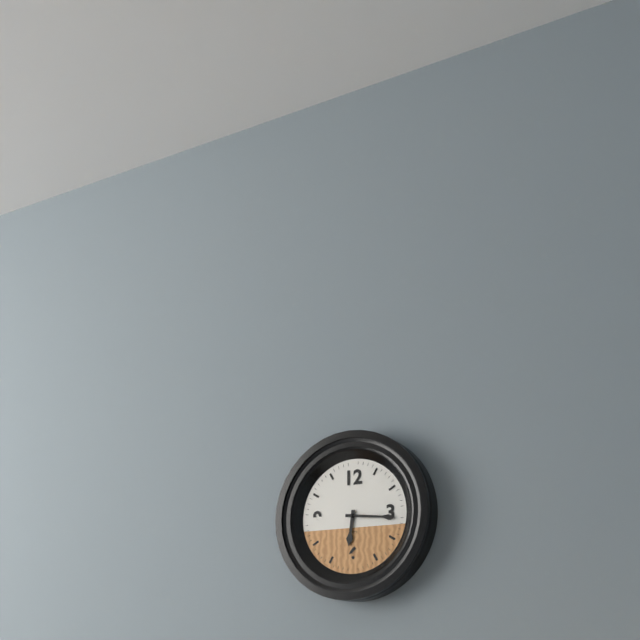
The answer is 6:16
